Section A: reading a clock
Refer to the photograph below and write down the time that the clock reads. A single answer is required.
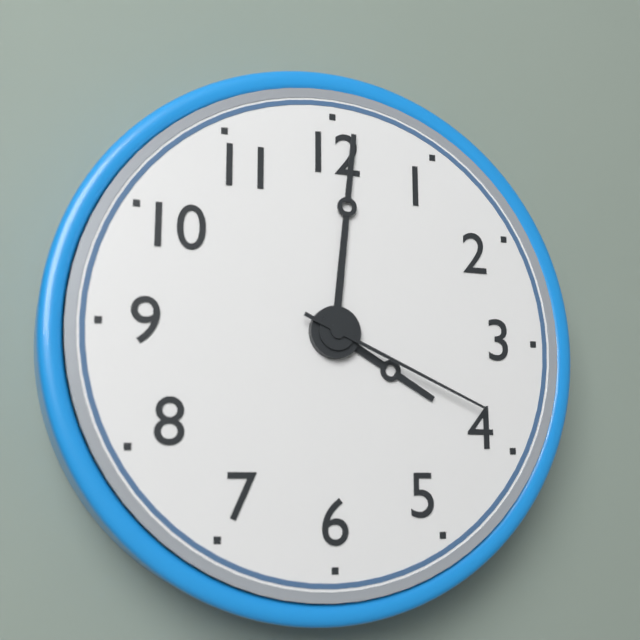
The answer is 4:01:19
